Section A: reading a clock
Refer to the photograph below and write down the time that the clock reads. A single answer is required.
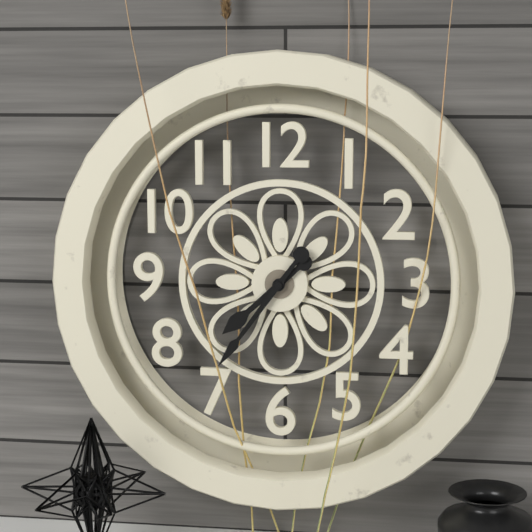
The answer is 7:36
